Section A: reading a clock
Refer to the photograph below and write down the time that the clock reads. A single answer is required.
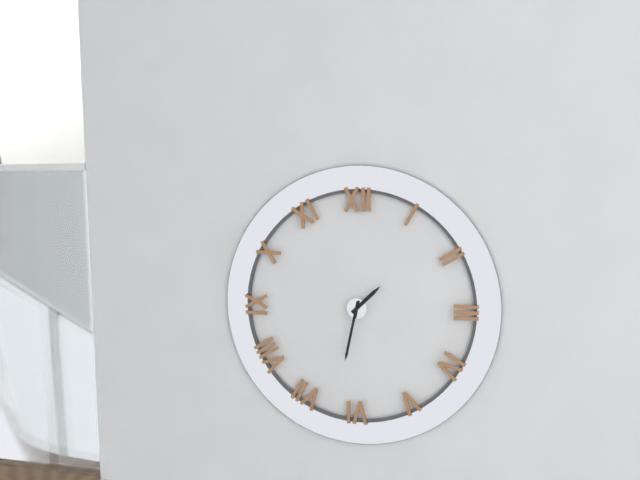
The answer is 1:32
